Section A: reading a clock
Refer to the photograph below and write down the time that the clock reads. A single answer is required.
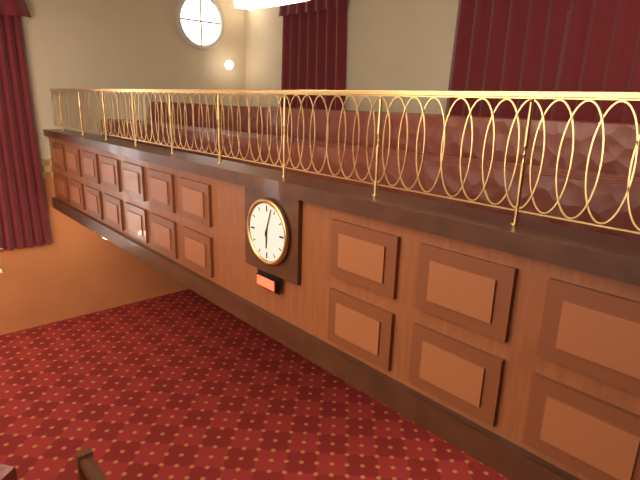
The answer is 6:03
